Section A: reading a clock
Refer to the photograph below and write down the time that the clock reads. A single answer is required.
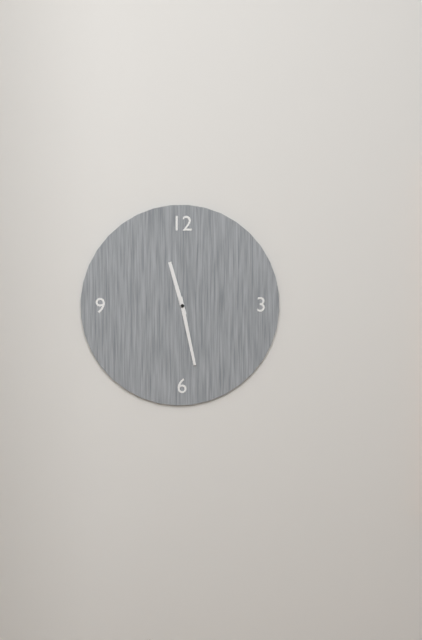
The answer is 11:28
